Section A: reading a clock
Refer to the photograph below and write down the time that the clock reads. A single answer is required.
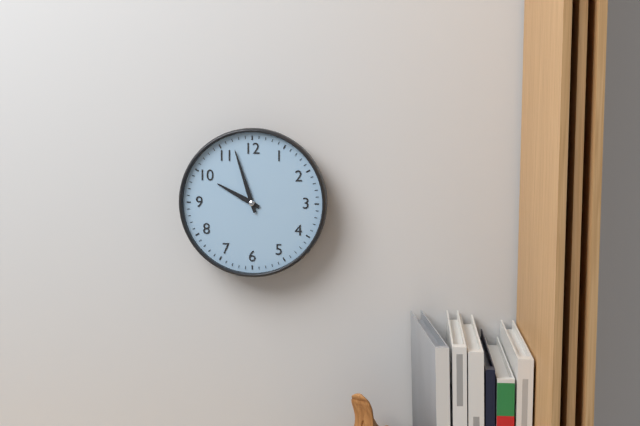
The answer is 9:57
